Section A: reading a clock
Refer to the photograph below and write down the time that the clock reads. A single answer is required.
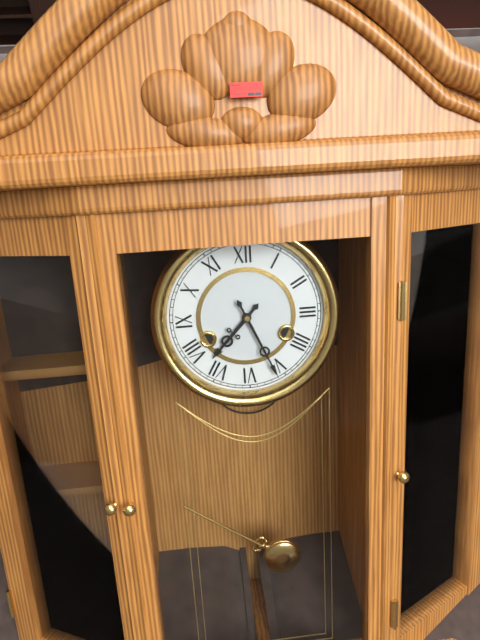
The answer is 7:26
